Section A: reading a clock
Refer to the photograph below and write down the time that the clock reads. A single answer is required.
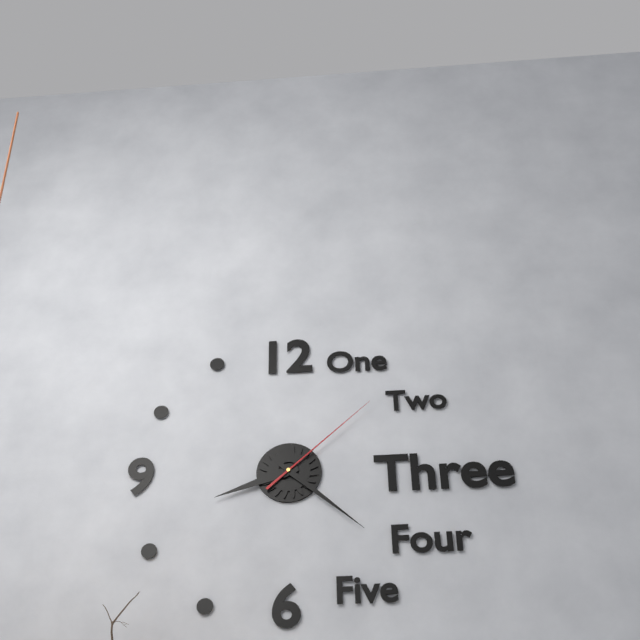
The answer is 8:22:08
